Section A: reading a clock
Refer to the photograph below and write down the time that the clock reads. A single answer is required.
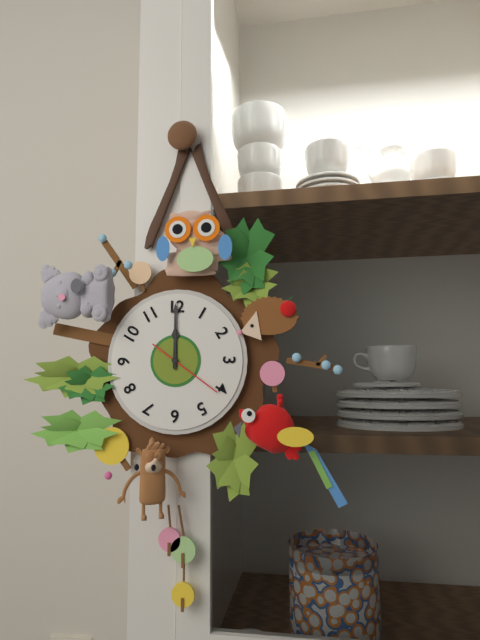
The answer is 12:00:21
